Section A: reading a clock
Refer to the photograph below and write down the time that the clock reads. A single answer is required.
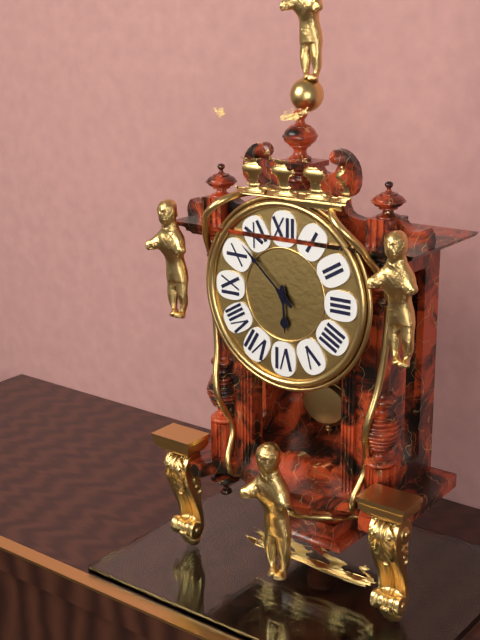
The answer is 5:52
